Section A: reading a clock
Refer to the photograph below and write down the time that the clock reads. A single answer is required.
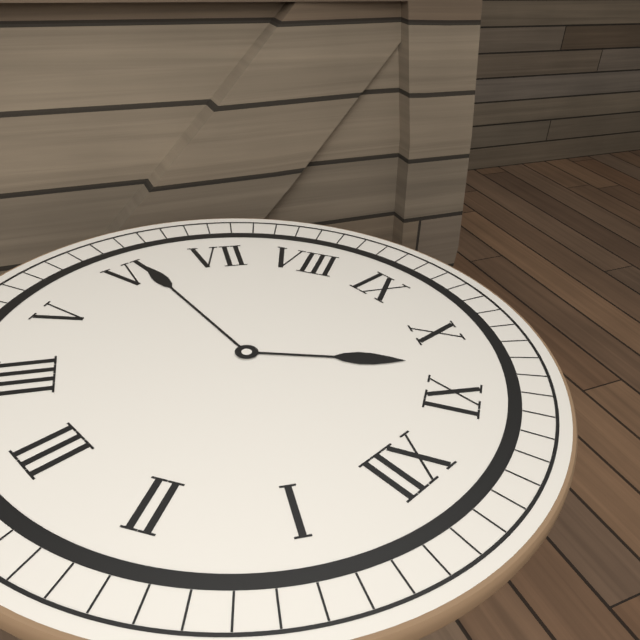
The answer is 10:31
